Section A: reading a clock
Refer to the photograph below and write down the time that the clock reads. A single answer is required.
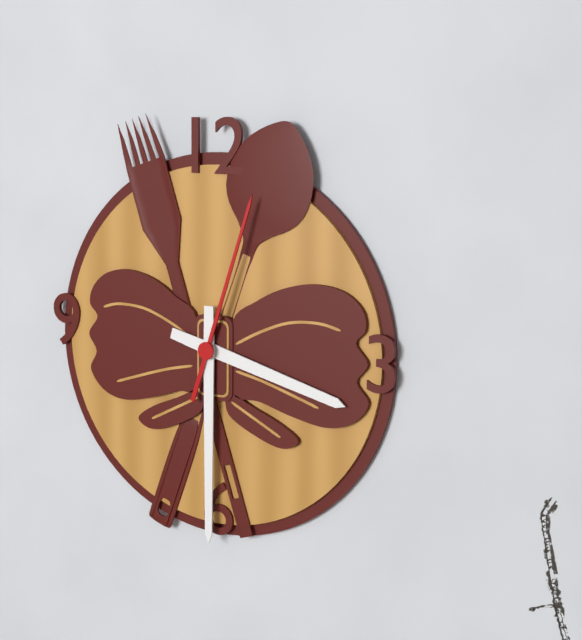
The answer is 3:30:03
